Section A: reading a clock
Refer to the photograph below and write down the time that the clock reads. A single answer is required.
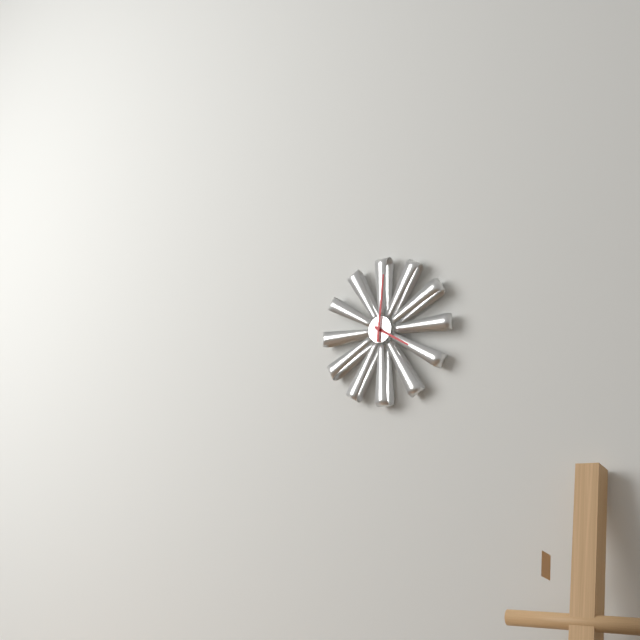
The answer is 4:01
